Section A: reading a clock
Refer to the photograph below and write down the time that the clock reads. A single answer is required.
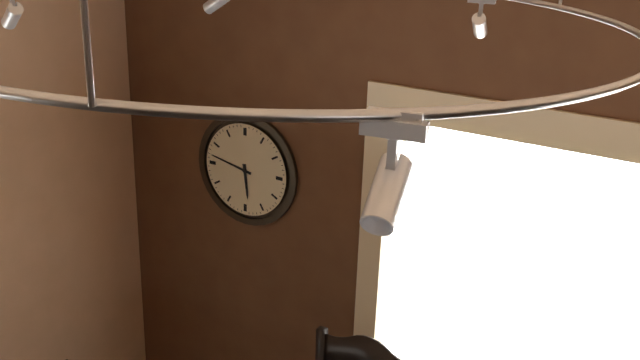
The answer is 5:47
